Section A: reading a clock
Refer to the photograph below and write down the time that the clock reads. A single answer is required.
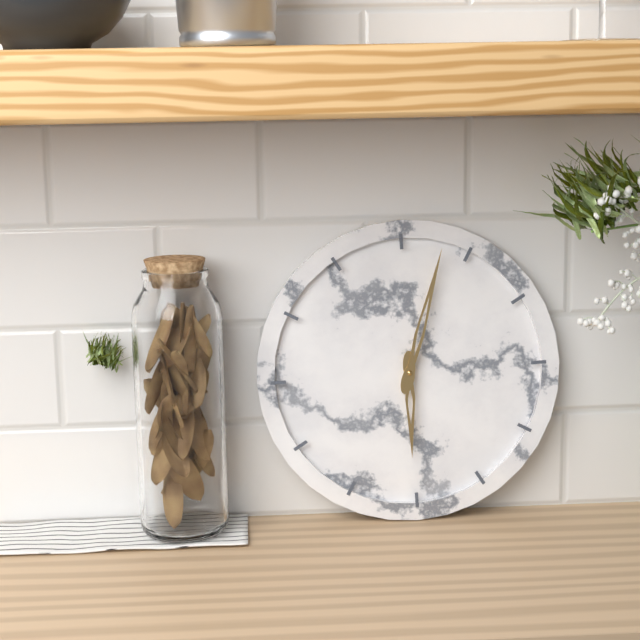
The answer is 6:03
